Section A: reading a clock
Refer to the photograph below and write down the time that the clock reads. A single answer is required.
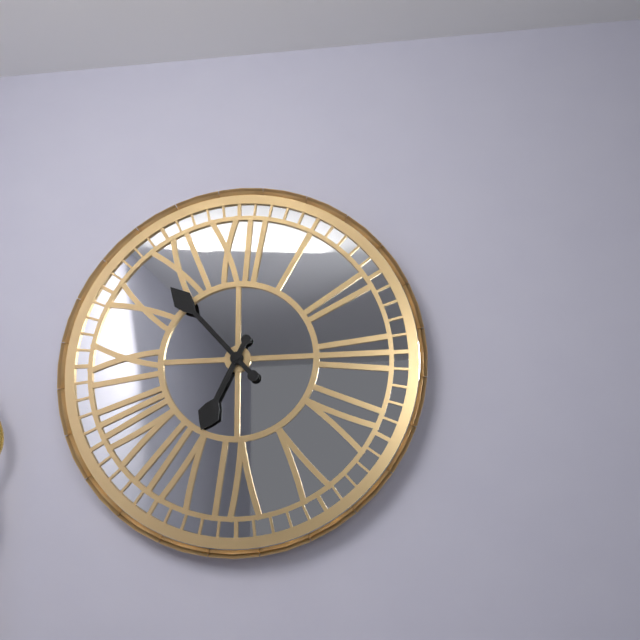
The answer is 6:53
